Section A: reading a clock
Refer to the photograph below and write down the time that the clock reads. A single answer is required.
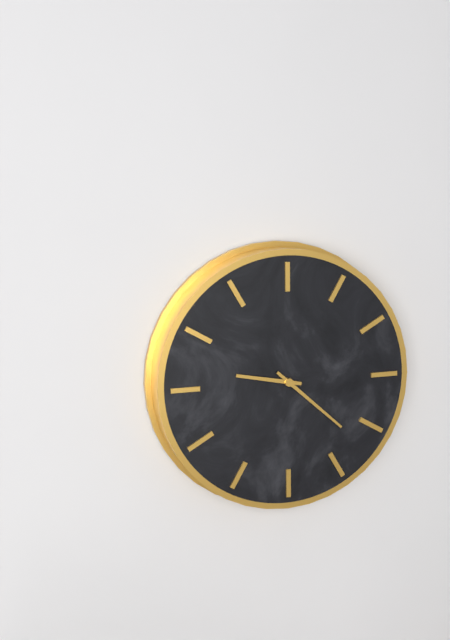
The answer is 9:22
